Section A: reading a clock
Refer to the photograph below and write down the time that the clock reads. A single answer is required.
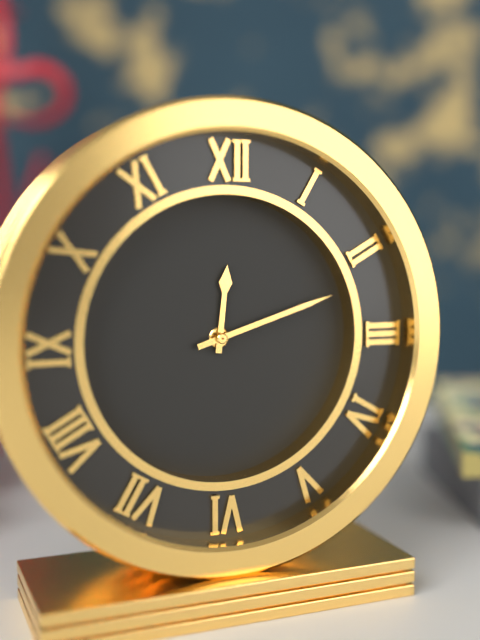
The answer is 12:12
